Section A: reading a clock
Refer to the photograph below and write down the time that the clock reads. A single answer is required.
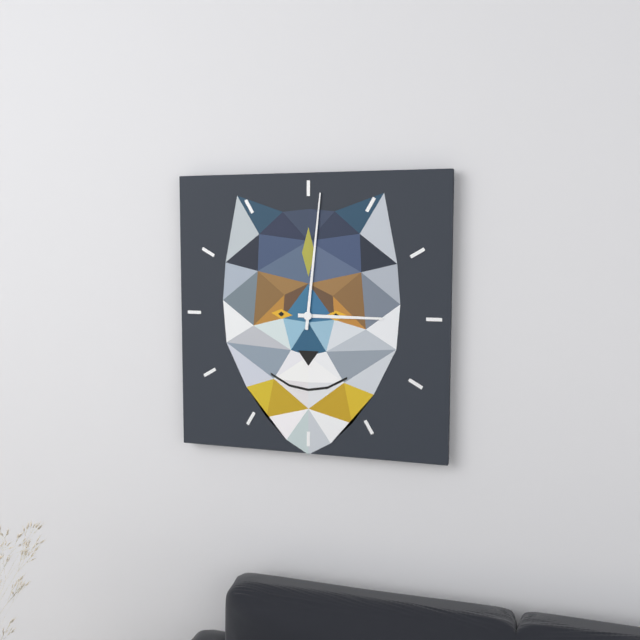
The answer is 3:01
